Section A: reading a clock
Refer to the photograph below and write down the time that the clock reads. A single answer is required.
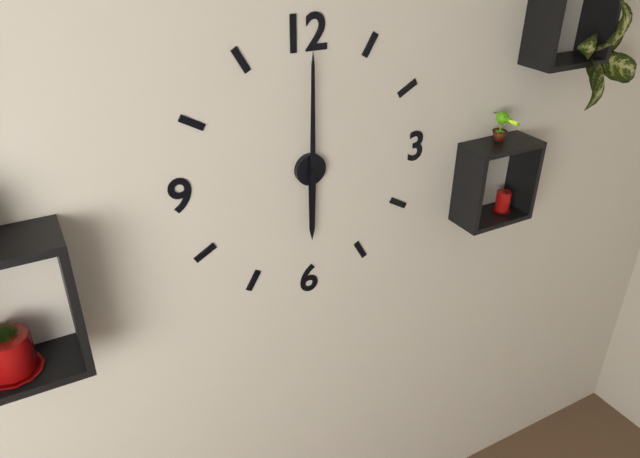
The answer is 6:00
